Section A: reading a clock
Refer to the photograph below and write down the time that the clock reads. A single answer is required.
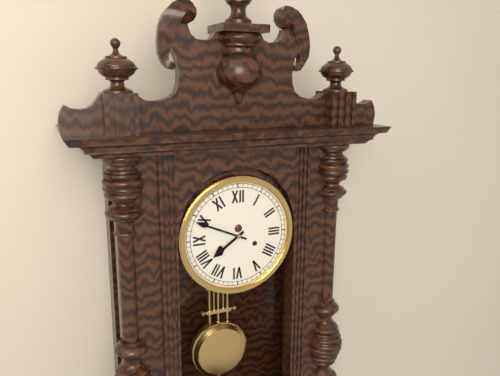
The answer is 7:49
